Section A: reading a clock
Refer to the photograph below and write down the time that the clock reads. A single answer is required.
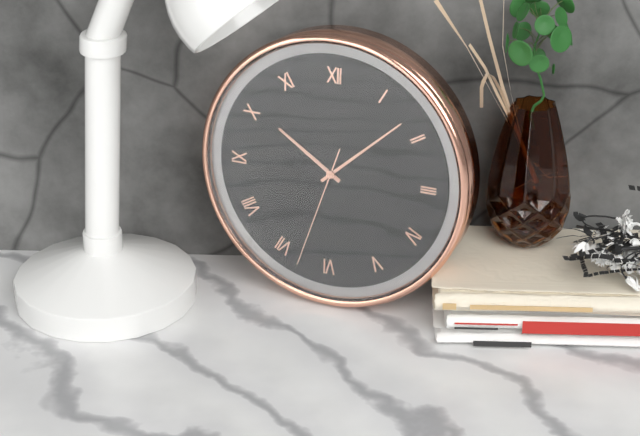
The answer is 10:08:33
